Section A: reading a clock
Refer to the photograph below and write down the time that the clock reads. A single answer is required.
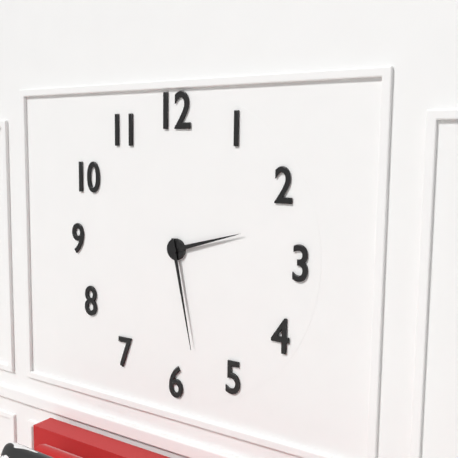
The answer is 2:28
